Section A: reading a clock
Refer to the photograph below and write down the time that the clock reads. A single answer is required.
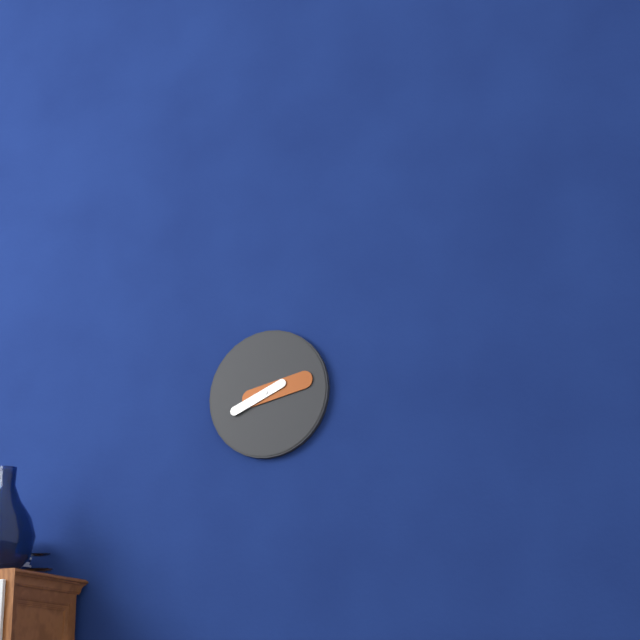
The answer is 8:13
